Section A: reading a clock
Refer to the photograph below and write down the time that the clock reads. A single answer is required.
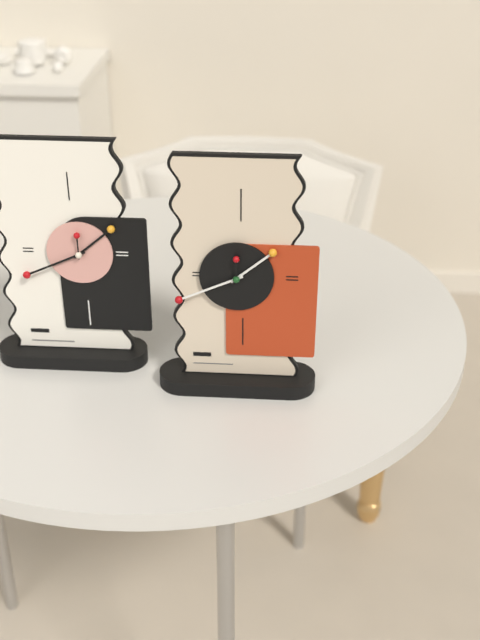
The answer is 1:41
